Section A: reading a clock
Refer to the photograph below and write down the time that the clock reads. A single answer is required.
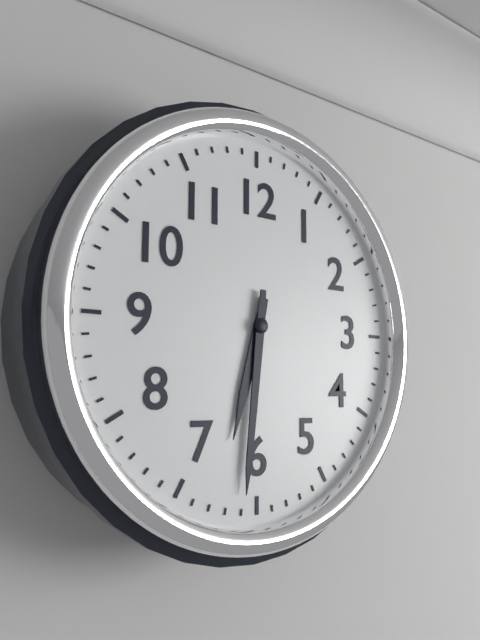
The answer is 6:31
